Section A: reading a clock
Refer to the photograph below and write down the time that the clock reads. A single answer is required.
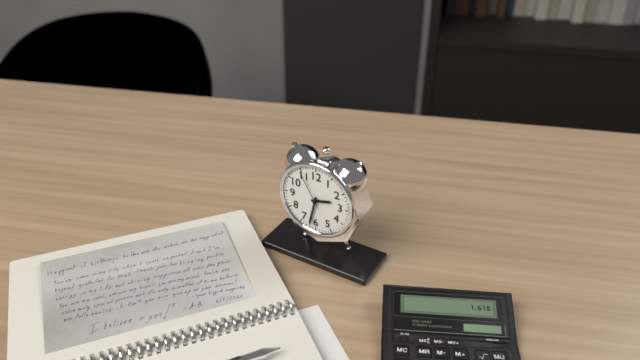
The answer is 2:32
